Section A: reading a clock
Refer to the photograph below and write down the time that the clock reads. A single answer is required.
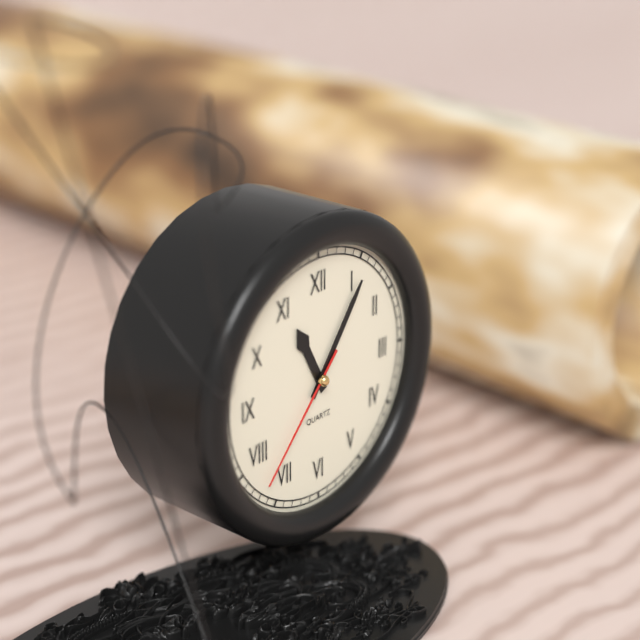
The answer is 11:06:37
